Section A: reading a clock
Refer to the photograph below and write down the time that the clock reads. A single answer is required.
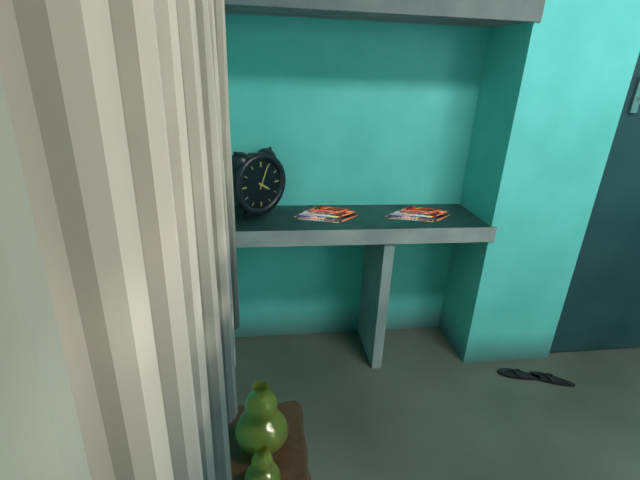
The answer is 4:04
